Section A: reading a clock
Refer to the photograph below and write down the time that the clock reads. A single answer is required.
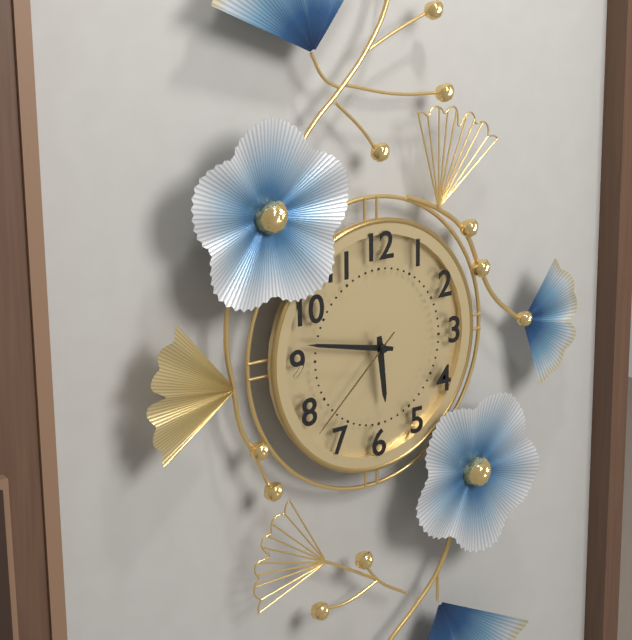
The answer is 5:47:38
